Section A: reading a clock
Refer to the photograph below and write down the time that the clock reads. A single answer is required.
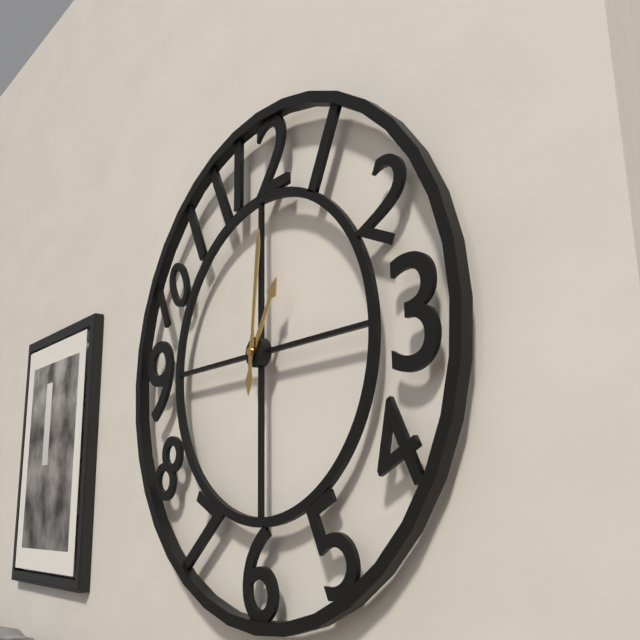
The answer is 1:01
